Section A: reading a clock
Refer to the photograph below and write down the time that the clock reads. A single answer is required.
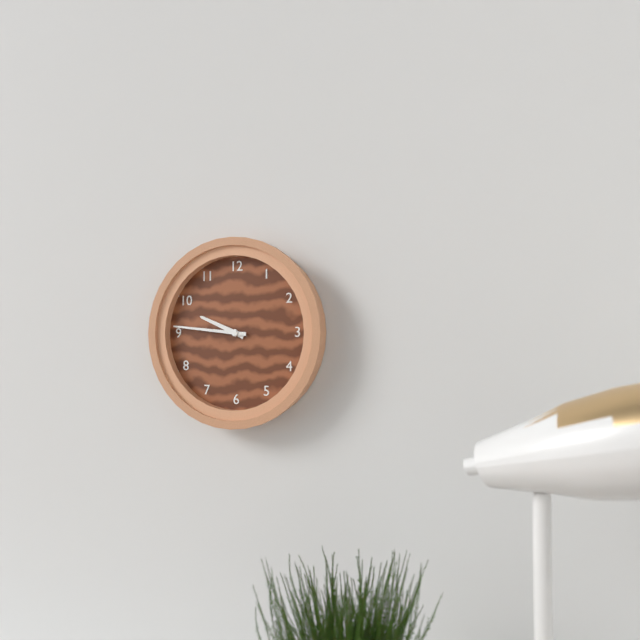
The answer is 9:46
